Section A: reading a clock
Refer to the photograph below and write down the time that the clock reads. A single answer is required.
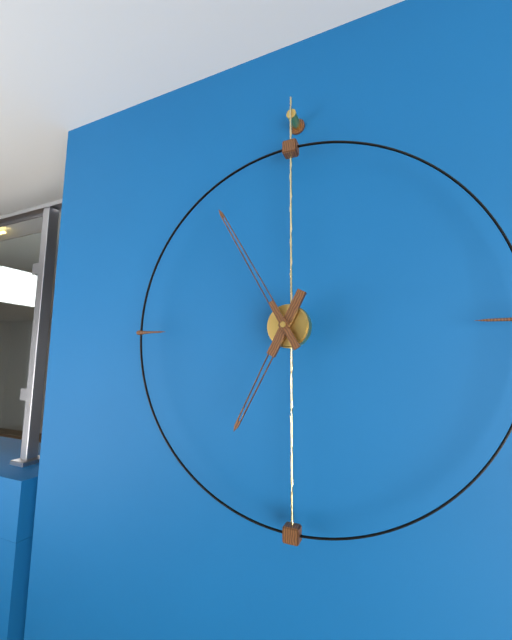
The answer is 6:55
